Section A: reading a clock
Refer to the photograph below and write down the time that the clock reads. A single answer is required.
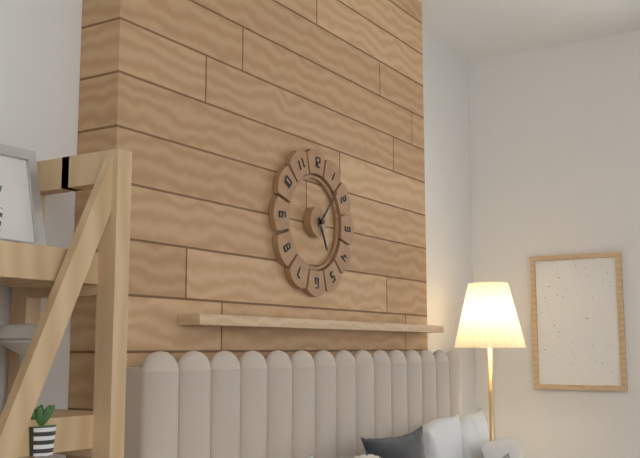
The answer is 5:07
